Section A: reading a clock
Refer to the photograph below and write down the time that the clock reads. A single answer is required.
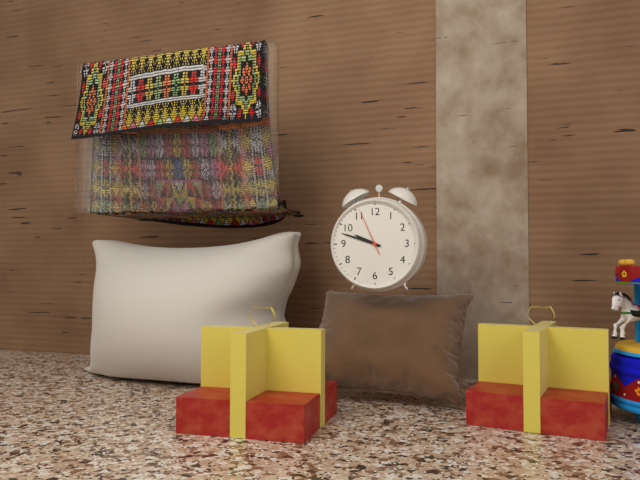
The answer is 9:48
